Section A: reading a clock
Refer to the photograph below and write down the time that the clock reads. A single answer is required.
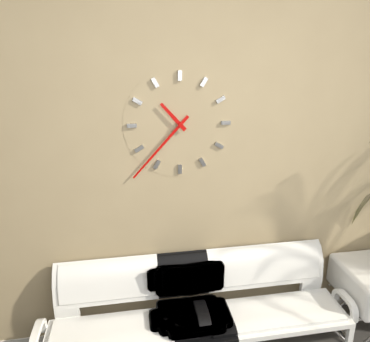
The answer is 10:37
